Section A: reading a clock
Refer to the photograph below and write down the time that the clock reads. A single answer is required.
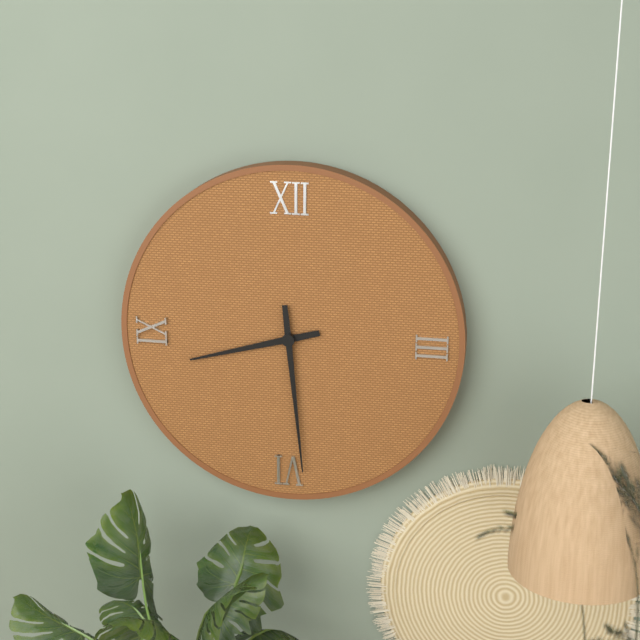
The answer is 8:29
